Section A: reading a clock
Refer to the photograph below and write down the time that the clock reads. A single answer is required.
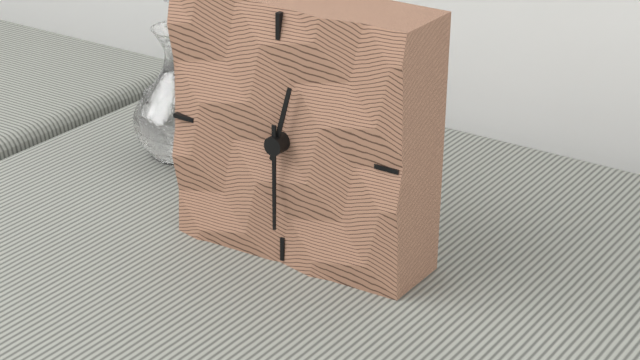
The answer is 12:30
